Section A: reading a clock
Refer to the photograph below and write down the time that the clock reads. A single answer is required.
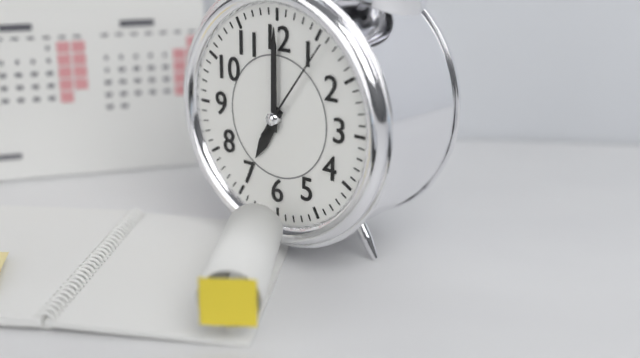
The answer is 7:00:06
